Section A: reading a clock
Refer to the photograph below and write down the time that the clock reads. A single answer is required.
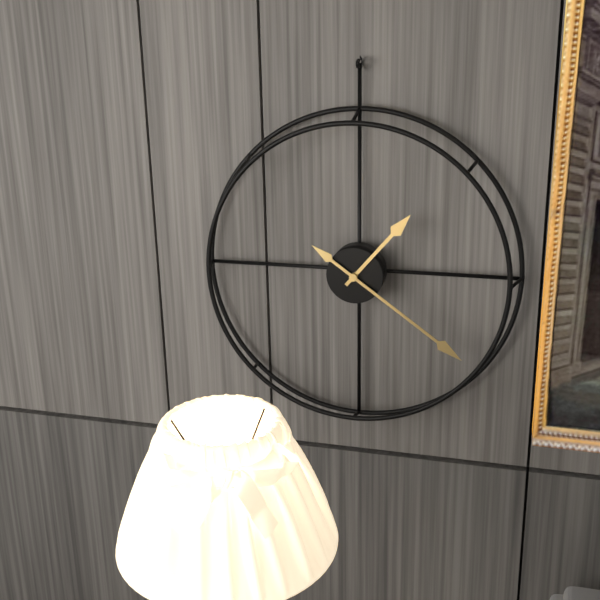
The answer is 1:21
